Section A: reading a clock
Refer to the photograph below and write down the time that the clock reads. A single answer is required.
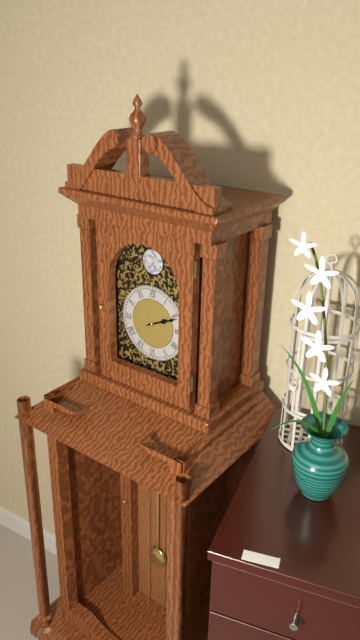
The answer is 2:11
